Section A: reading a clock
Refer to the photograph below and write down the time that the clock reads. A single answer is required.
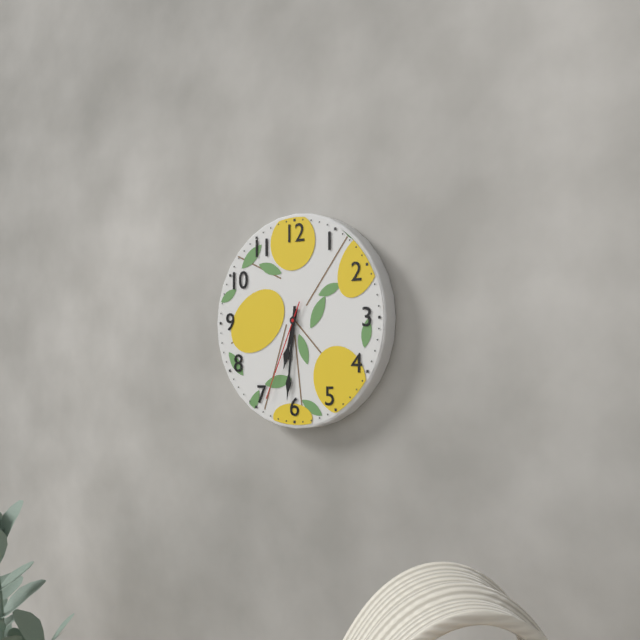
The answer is 6:31:34
